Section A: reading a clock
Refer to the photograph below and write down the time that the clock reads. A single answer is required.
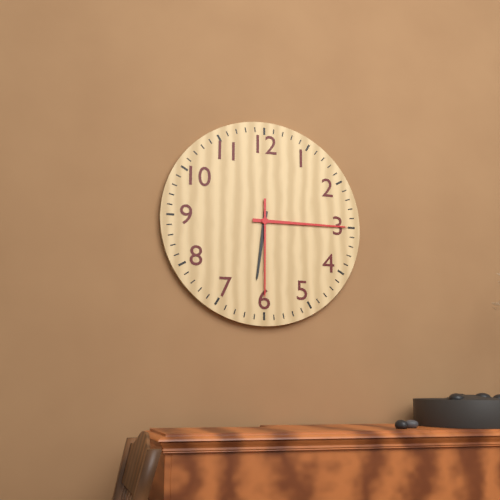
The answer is 6:15:30
